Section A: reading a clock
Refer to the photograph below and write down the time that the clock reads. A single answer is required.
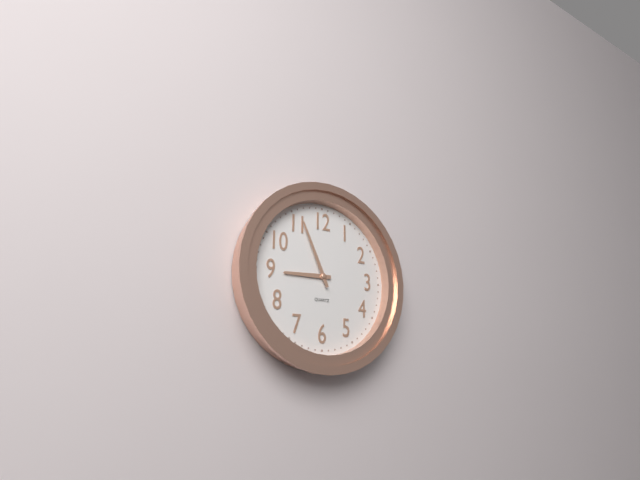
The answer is 8:56
